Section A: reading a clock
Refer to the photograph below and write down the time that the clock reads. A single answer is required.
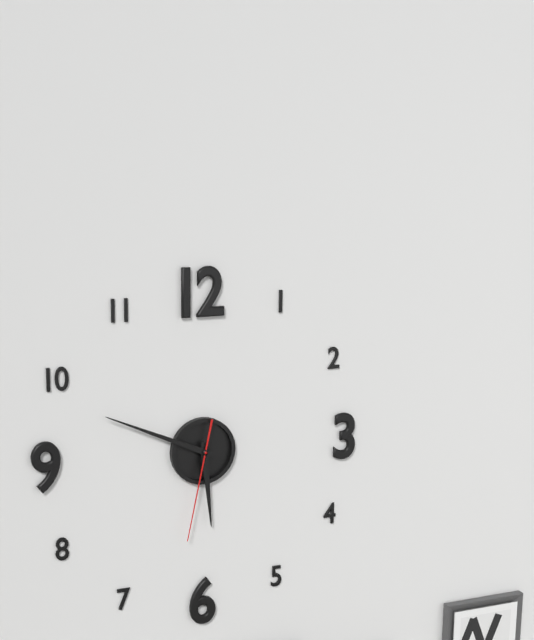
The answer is 5:49:32
